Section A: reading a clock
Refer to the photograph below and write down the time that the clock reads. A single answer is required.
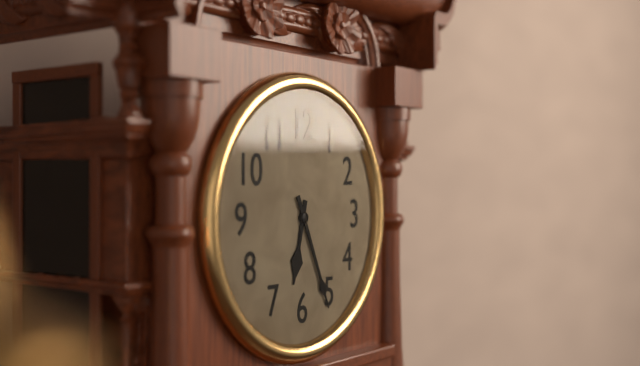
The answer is 6:26
